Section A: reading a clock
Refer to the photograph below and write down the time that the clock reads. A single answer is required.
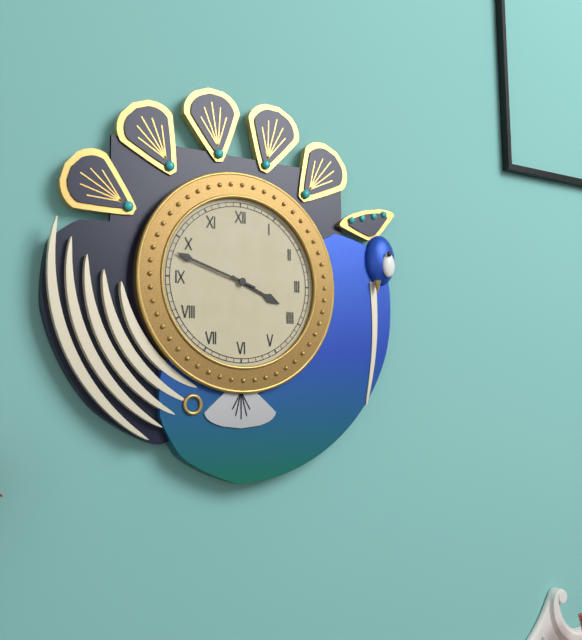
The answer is 3:48
